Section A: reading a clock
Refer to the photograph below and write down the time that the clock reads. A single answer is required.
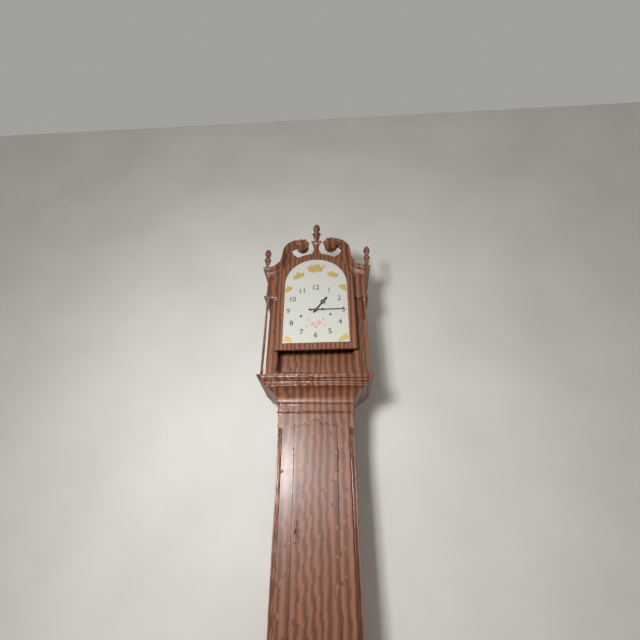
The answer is 1:15
